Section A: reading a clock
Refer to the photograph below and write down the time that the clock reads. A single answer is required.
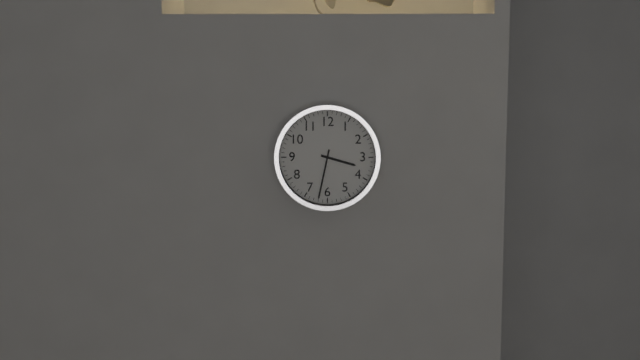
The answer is 3:32
